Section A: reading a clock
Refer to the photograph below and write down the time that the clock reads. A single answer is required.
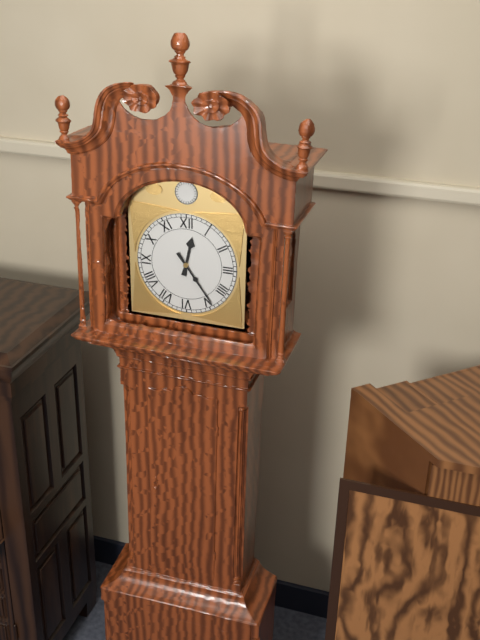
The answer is 12:24
